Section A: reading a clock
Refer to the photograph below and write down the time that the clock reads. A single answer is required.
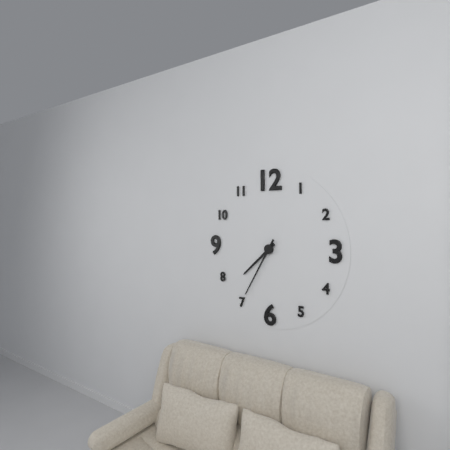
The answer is 7:35
